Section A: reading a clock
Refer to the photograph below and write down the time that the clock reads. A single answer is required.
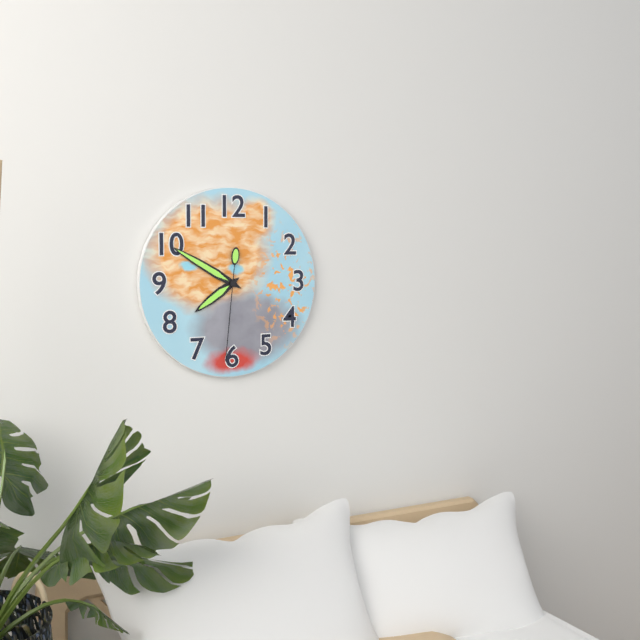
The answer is 7:50:31
